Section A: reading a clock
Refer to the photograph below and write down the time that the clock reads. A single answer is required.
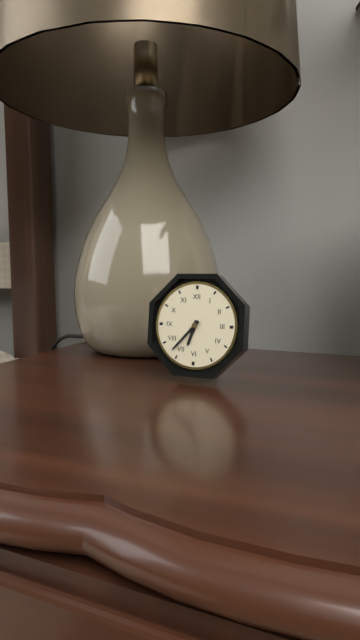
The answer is 6:37
